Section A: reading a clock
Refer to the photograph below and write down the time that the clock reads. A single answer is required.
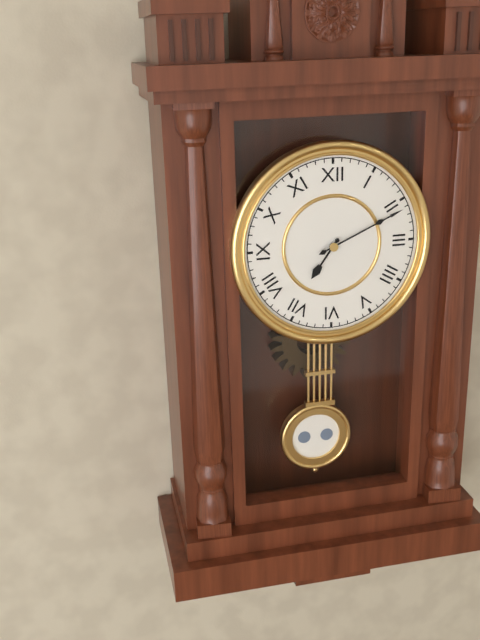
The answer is 7:11
